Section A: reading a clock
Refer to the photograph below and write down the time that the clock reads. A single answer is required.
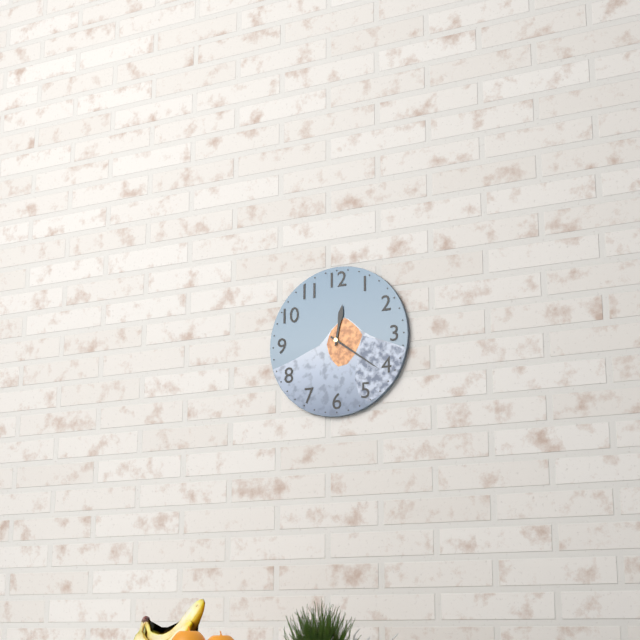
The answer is 12:21
